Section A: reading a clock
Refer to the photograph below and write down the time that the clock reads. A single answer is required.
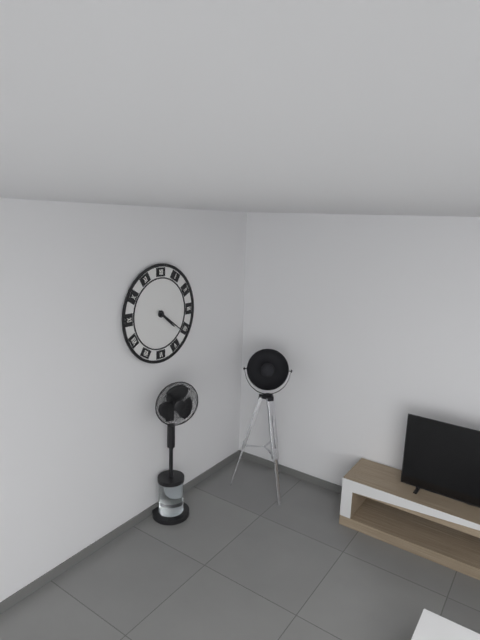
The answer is 4:21
